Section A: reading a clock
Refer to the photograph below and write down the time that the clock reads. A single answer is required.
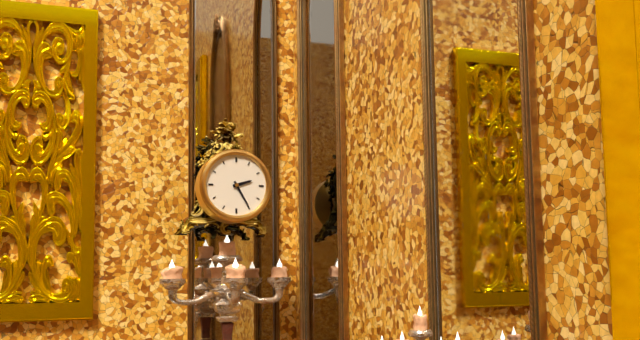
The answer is 2:25
